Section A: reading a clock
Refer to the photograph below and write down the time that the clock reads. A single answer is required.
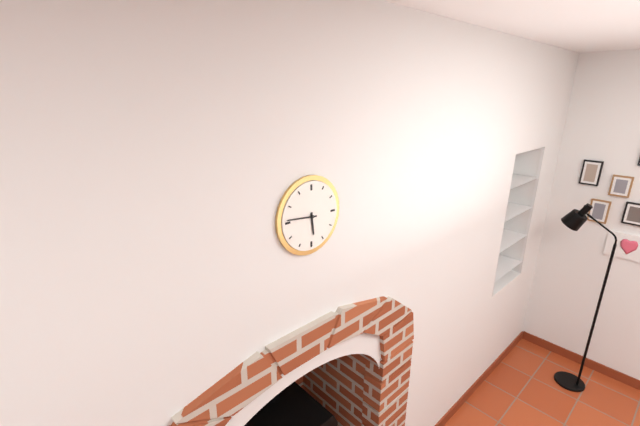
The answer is 5:46
